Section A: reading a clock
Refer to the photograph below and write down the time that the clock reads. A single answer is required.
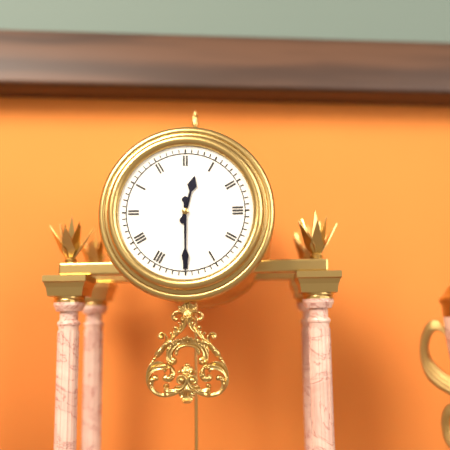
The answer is 12:30
